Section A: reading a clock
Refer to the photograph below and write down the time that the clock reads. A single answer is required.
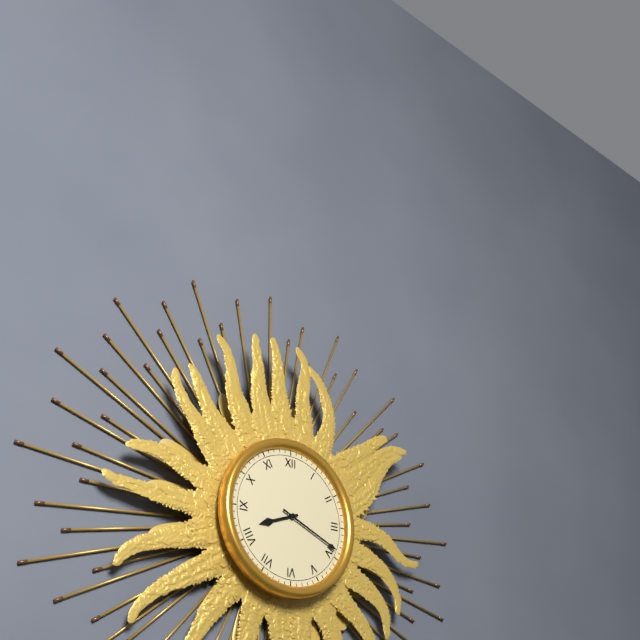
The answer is 8:19
